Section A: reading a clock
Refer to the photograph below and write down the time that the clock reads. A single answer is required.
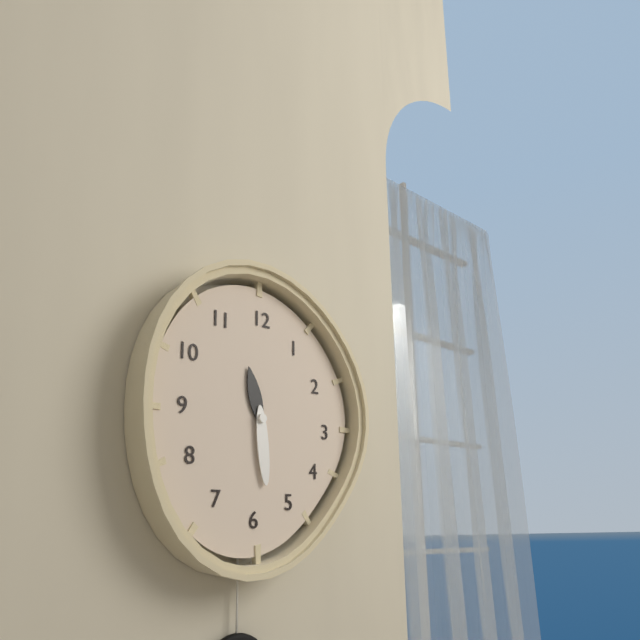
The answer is 11:29
